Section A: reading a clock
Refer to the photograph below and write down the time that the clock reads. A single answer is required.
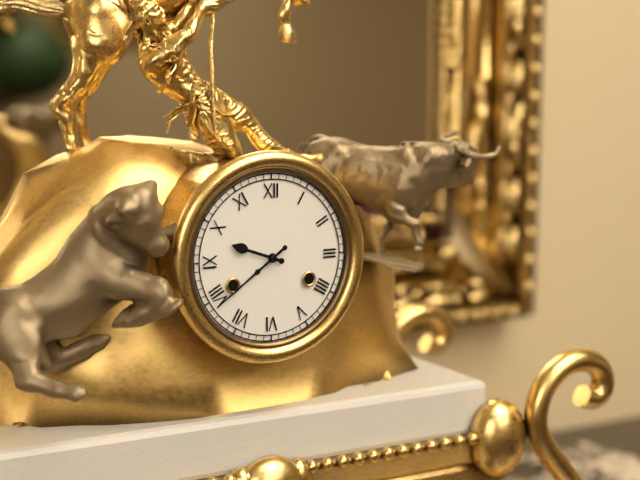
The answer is 9:39
